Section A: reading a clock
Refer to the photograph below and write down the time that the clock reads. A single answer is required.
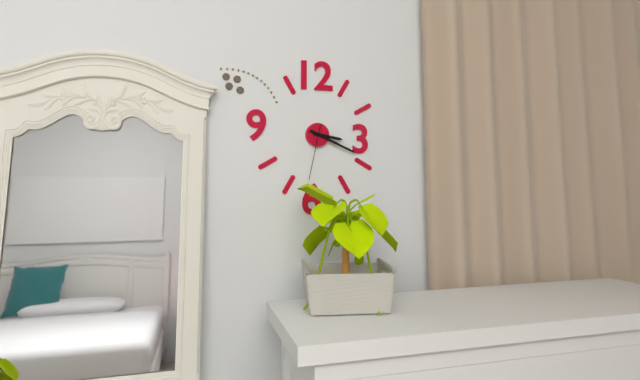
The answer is 3:19:32
